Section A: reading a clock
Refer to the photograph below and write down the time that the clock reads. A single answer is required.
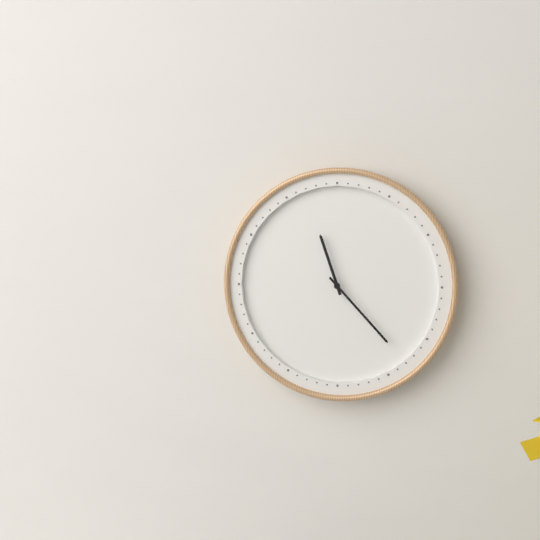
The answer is 11:23
